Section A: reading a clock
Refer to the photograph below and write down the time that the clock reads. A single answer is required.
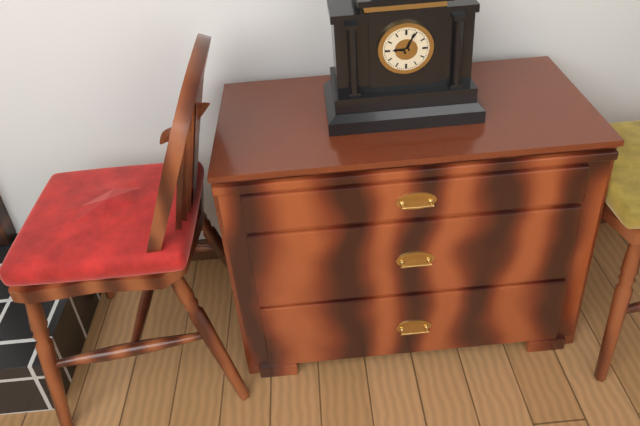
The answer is 9:04
